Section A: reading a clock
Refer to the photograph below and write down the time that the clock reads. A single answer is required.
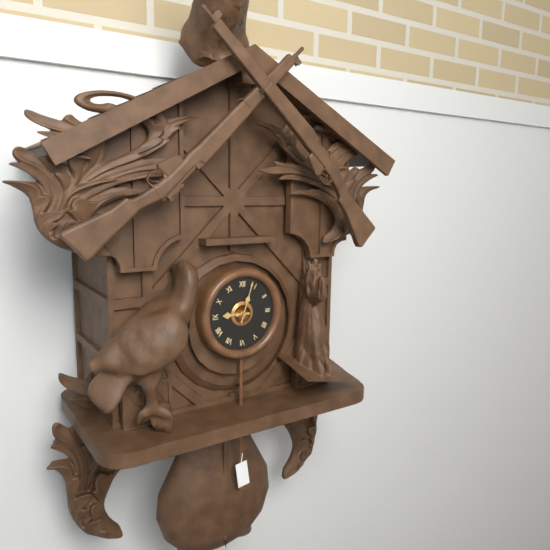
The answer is 9:03
